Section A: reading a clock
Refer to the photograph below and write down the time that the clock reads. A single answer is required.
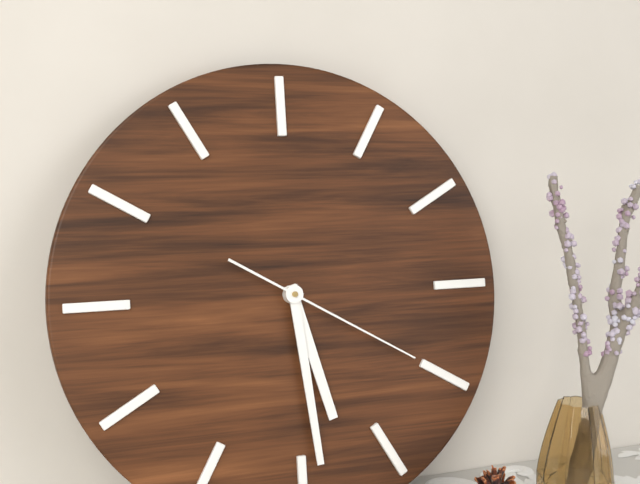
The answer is 5:29:20
